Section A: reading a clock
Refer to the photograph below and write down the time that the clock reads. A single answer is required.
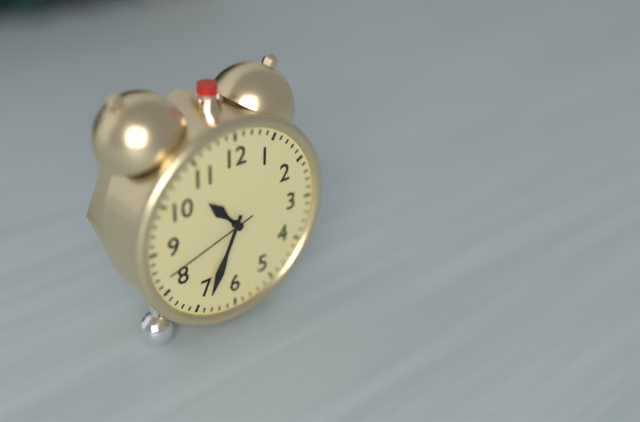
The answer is 10:34:42
